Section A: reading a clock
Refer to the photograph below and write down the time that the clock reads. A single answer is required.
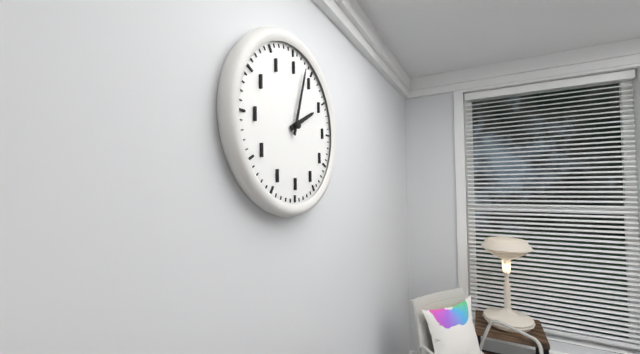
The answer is 2:03
